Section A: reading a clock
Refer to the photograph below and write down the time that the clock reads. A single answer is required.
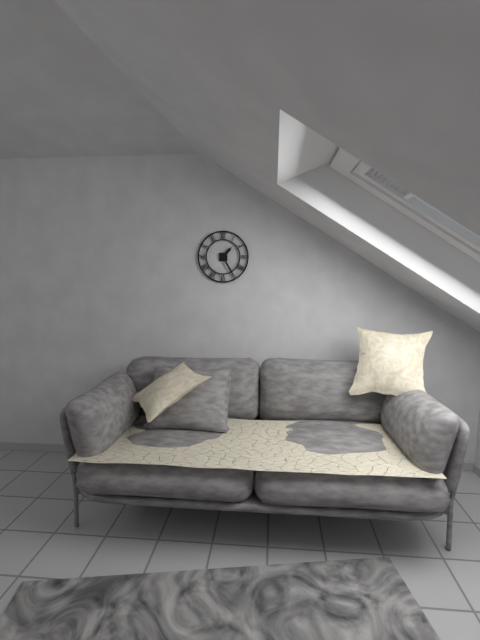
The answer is 1:25
